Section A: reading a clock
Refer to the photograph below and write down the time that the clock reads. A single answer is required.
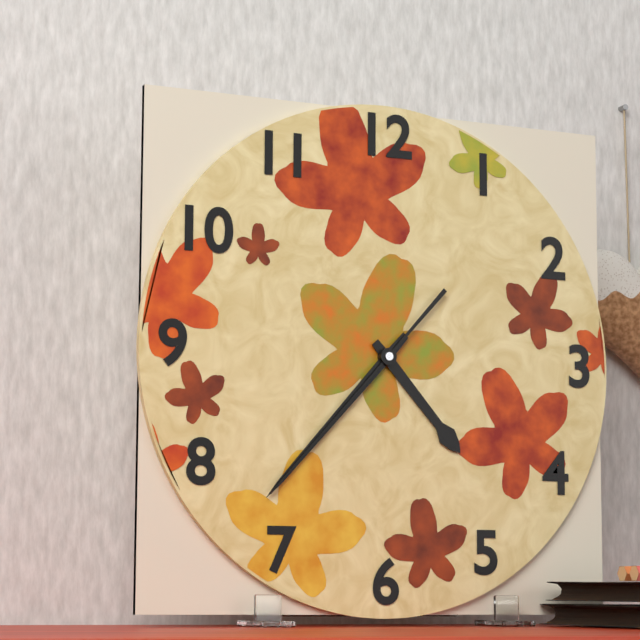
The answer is 4:37:37
